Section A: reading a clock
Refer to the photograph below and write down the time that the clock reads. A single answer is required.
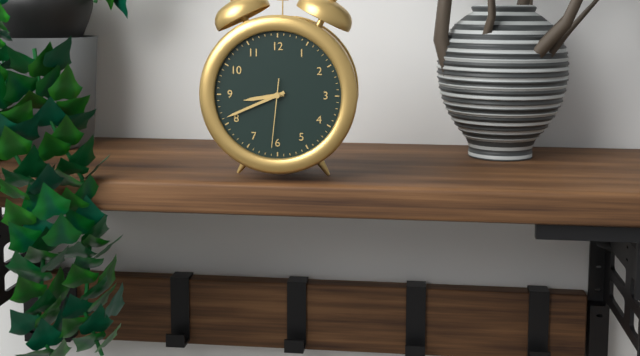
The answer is 8:41:31
